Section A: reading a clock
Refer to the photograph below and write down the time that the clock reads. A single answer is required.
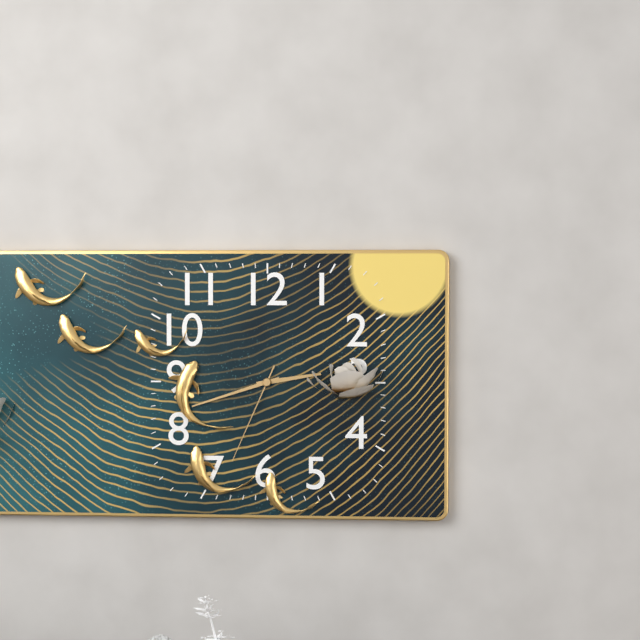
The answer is 2:42:34
